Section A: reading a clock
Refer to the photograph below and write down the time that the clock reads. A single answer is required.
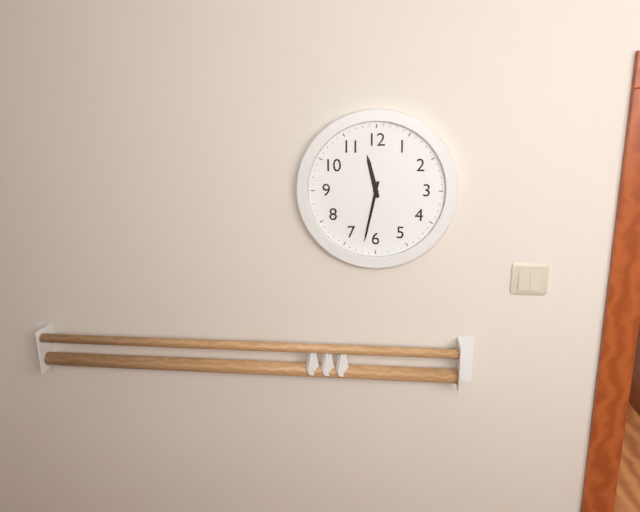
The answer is 11:32
